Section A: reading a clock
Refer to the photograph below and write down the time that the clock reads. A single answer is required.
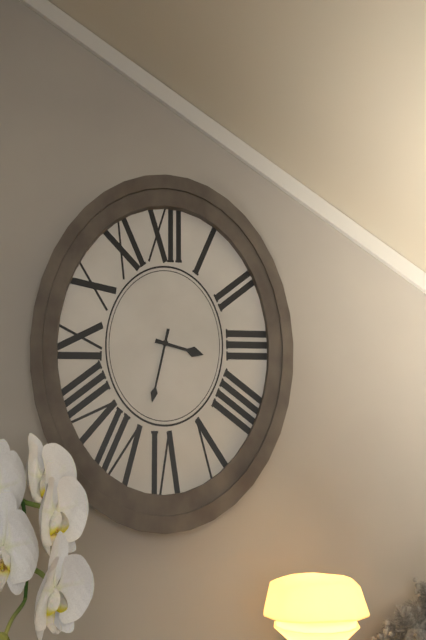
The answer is 3:32
